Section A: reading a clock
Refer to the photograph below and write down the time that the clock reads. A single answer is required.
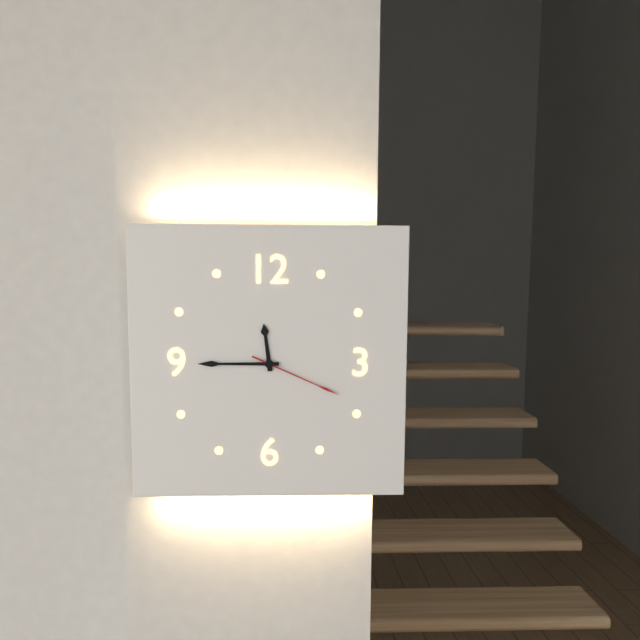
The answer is 11:45:19
